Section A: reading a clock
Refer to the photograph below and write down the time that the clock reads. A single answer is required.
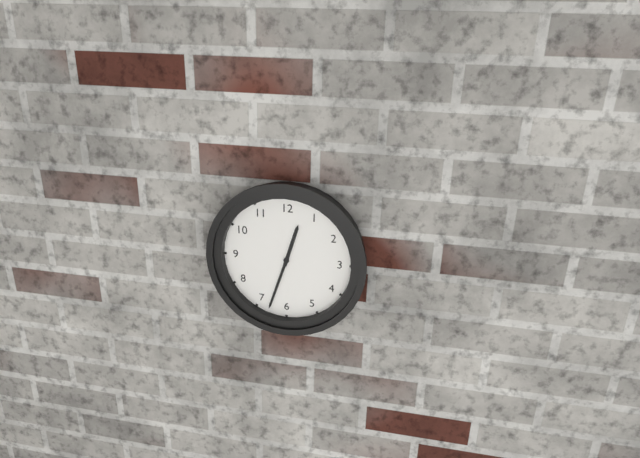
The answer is 12:33
